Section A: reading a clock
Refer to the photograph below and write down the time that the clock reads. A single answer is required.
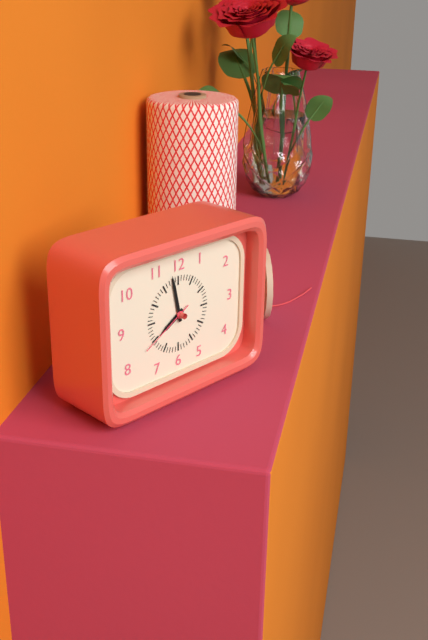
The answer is 7:58:40
